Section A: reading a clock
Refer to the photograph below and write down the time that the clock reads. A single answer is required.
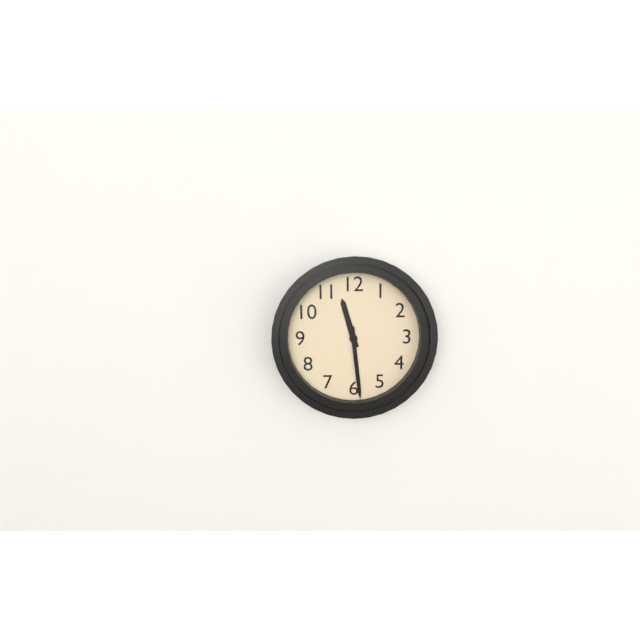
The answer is 11:29
